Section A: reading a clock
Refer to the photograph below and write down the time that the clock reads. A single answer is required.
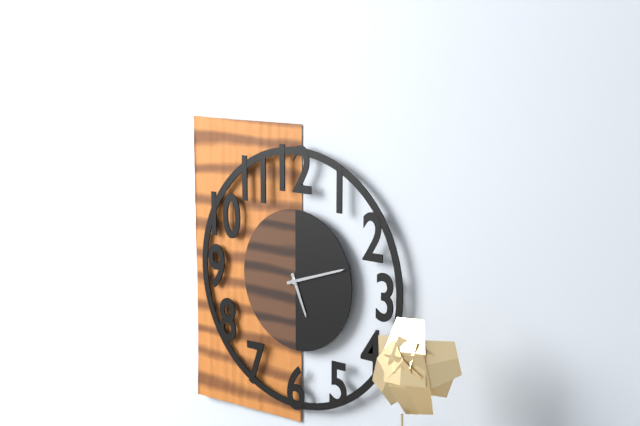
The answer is 5:12
